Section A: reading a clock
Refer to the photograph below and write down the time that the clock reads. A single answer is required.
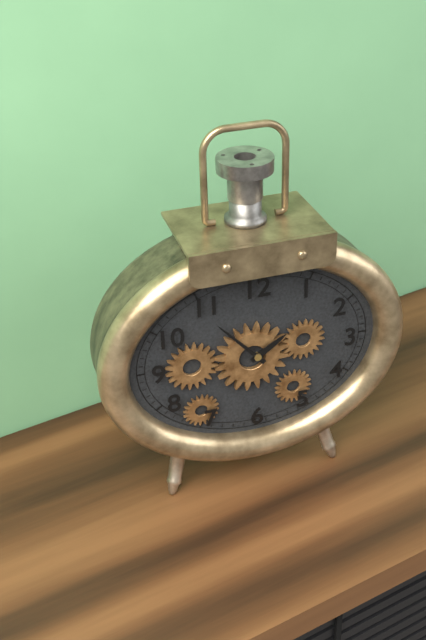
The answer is 1:53
